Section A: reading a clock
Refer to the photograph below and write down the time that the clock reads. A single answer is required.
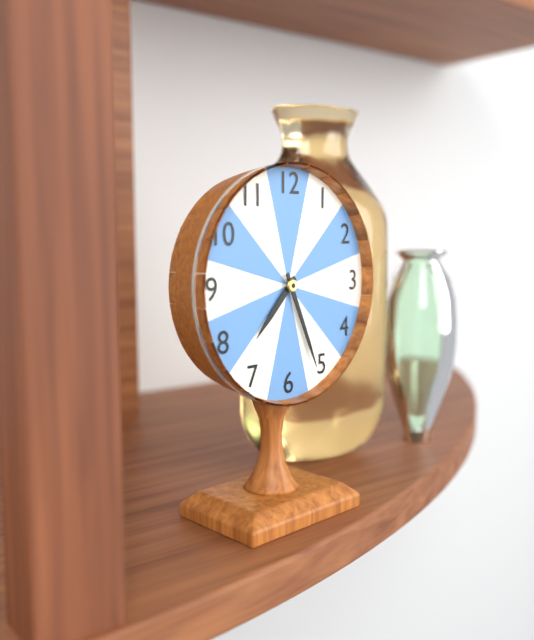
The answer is 7:26
